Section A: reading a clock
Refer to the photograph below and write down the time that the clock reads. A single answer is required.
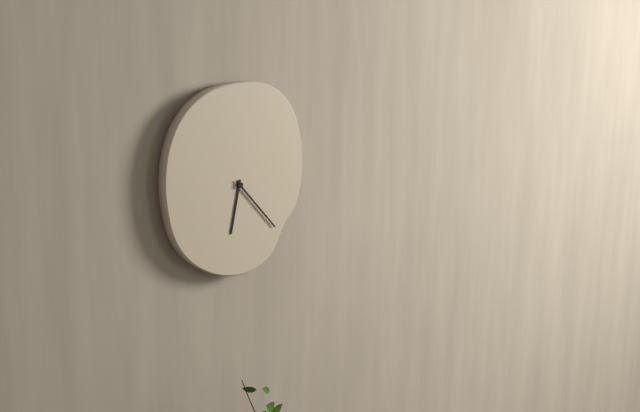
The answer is 6:23
